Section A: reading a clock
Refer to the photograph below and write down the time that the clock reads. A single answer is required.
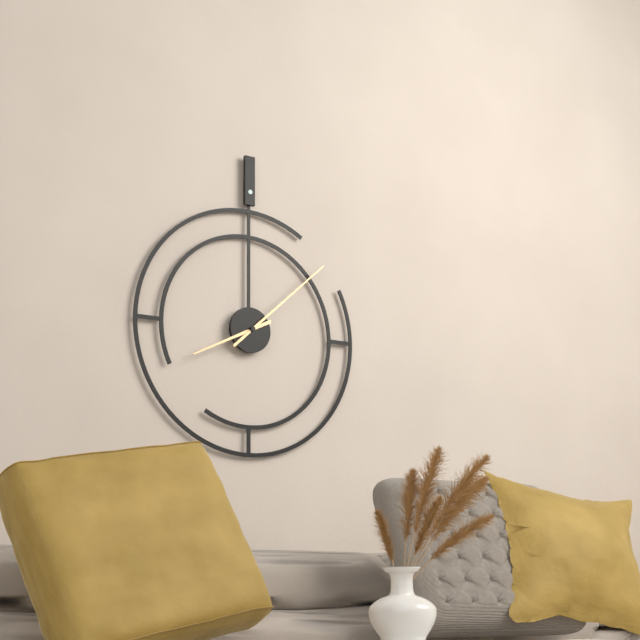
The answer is 8:08
